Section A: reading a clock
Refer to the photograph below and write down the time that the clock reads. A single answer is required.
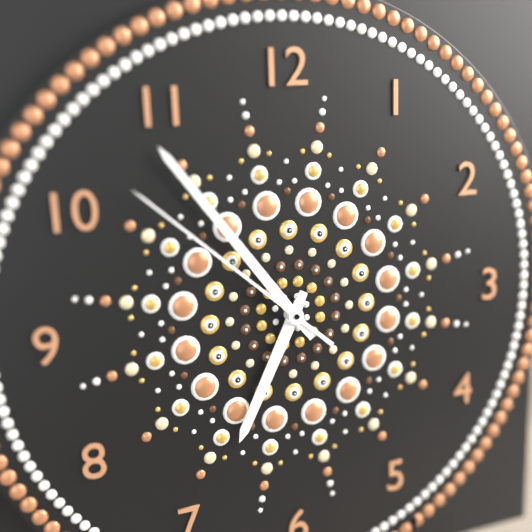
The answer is 6:54:52
